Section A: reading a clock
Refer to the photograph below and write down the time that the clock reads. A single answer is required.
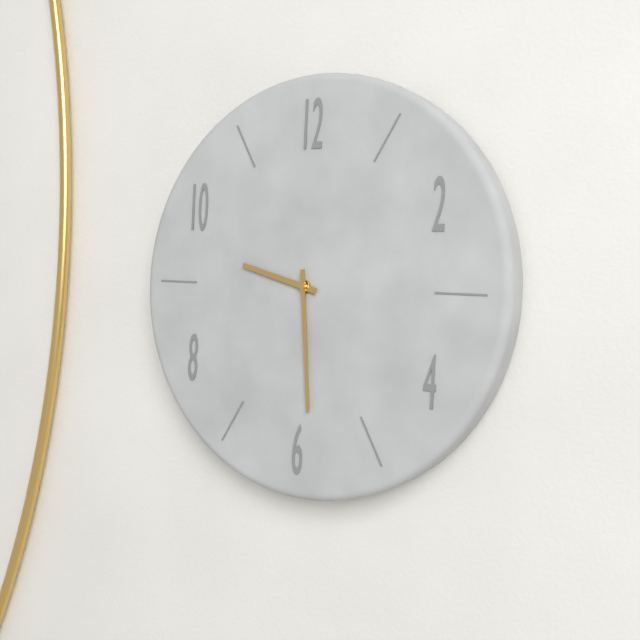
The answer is 9:29
